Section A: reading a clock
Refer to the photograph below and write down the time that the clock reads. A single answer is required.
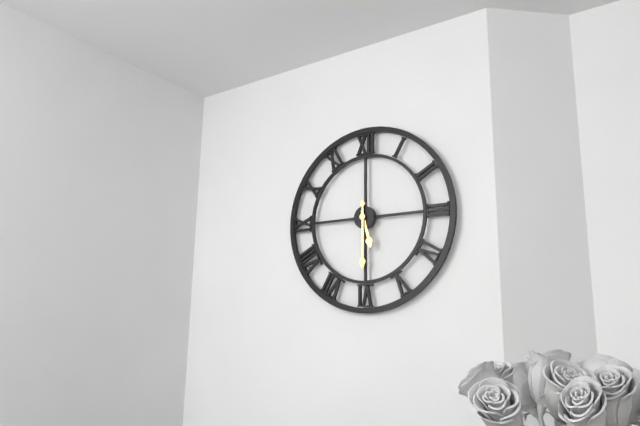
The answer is 5:30
